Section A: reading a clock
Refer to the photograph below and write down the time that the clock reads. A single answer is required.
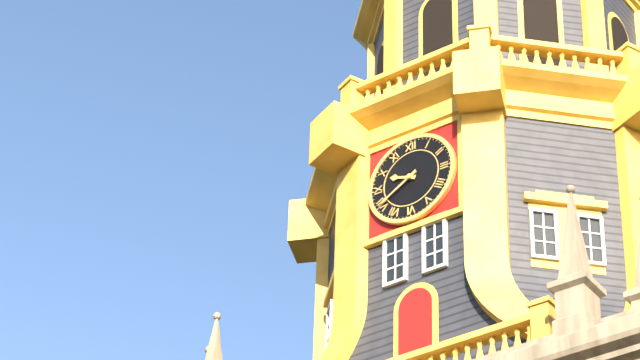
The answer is 9:40
